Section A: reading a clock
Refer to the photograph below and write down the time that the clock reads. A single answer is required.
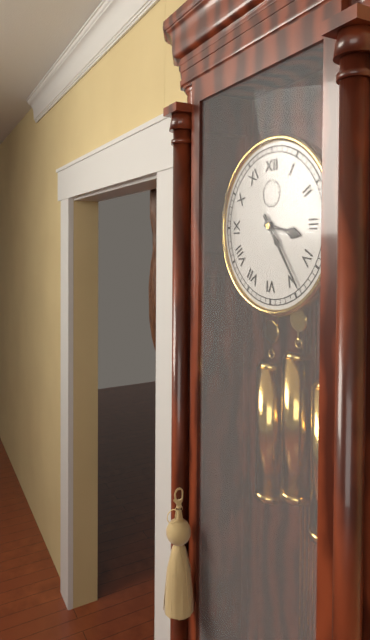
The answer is 3:24
